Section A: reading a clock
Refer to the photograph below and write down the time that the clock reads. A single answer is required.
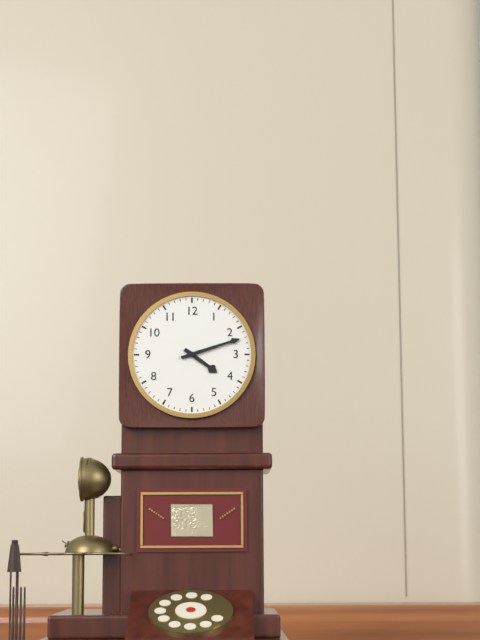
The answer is 4:12
